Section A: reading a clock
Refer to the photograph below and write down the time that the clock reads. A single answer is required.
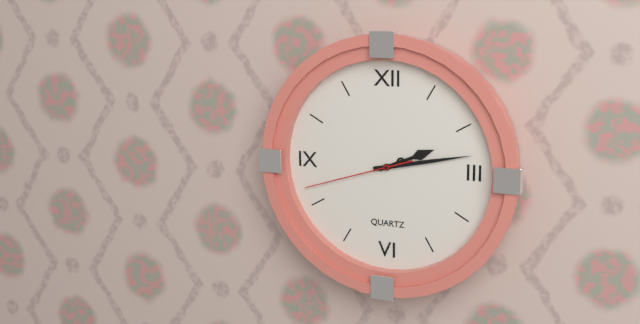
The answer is 2:13:42
